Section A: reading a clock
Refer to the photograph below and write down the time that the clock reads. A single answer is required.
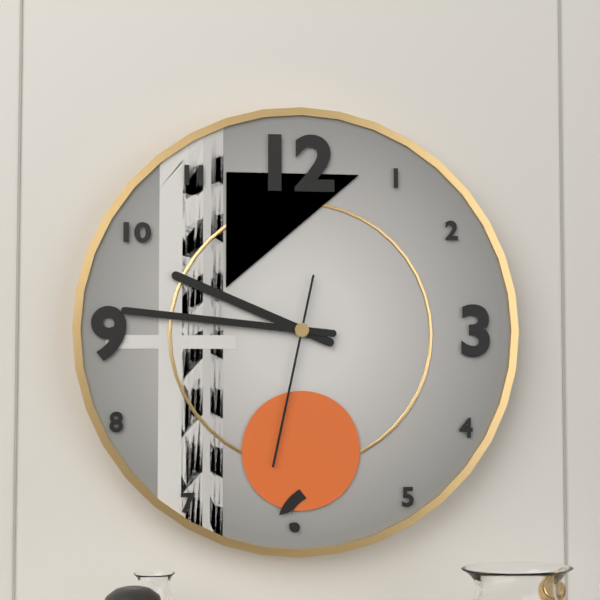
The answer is 9:46:32
